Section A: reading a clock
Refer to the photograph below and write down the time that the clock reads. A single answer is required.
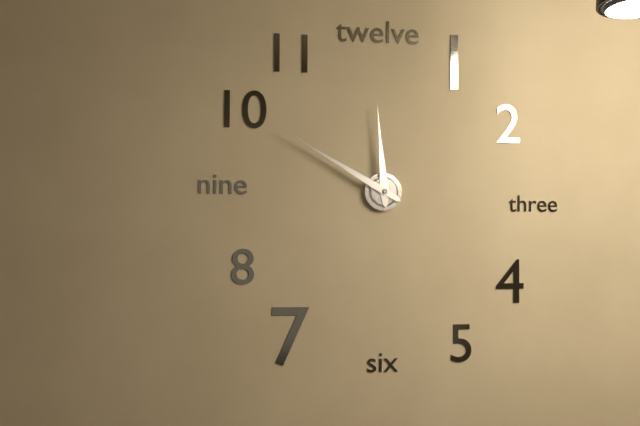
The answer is 11:50
